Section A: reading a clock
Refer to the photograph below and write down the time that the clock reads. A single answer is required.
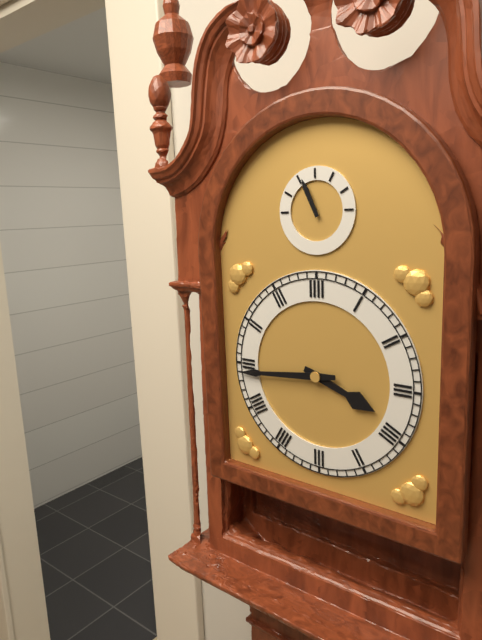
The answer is 3:44
